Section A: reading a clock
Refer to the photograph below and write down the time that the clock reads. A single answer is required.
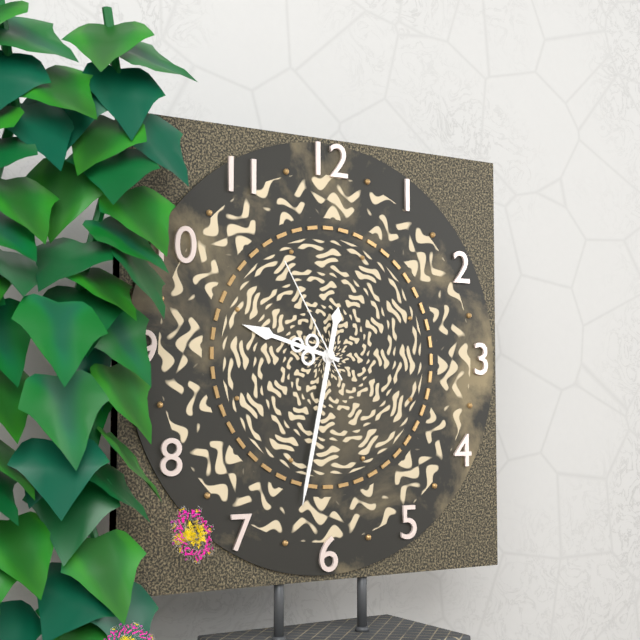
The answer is 9:32:55
